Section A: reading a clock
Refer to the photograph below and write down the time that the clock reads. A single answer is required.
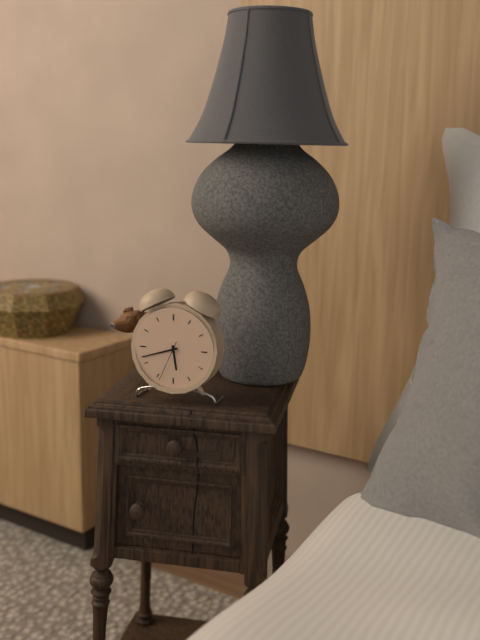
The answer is 5:42
